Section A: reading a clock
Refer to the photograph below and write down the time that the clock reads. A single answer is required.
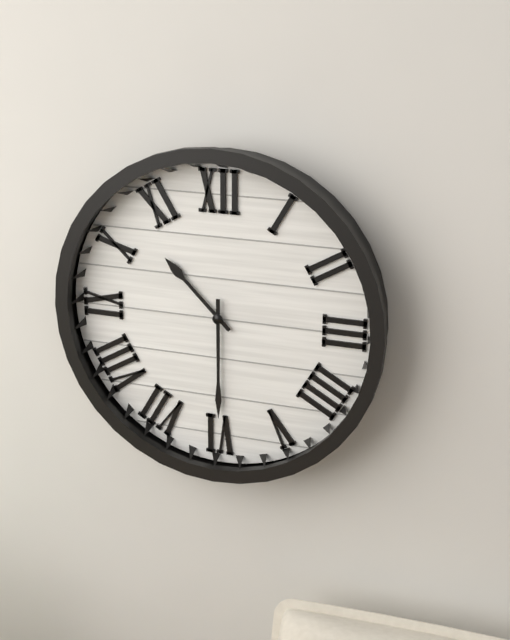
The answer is 10:30
